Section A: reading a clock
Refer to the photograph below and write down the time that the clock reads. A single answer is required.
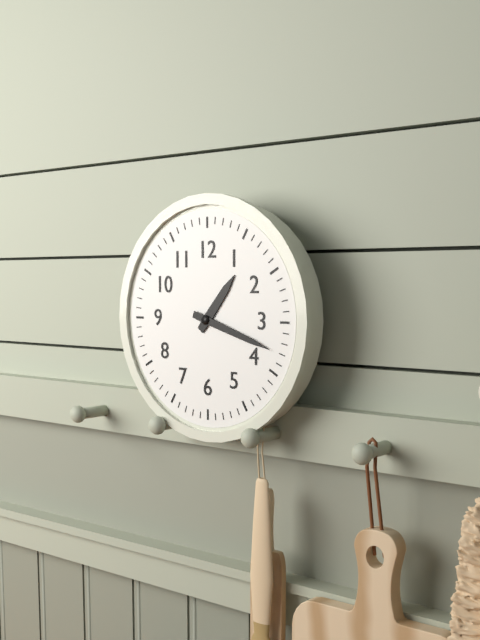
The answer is 1:18
